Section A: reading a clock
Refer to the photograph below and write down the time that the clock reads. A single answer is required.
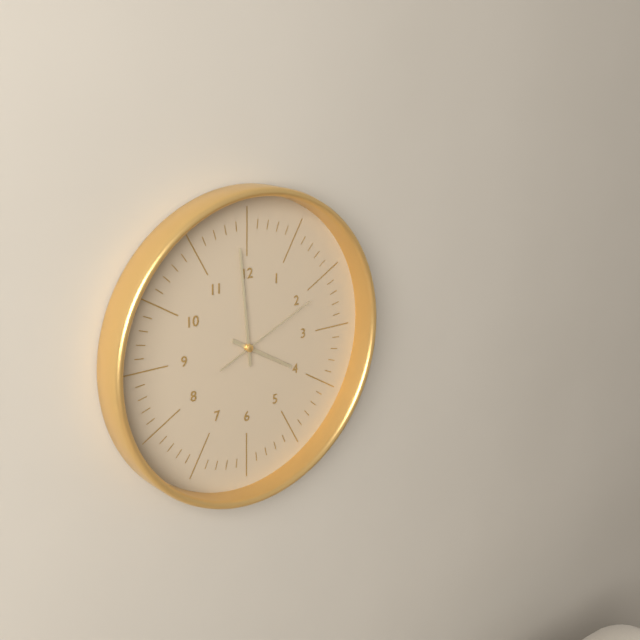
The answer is 3:59:11
